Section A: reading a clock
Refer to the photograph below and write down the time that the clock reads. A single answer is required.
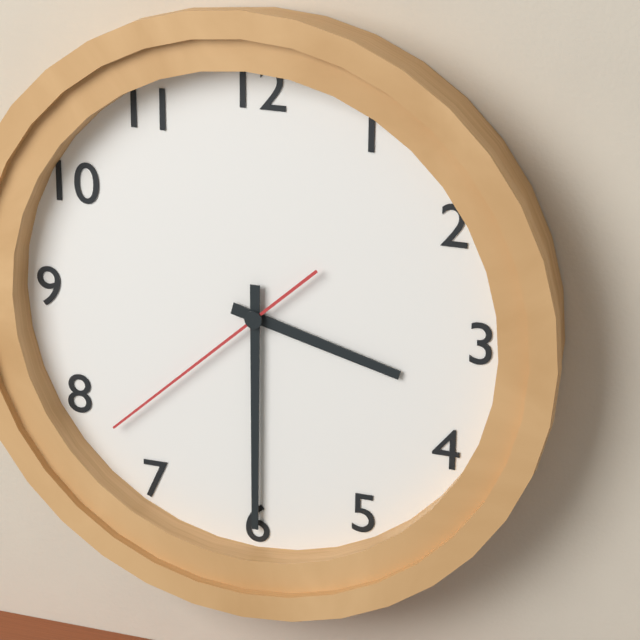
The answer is 3:30:38
